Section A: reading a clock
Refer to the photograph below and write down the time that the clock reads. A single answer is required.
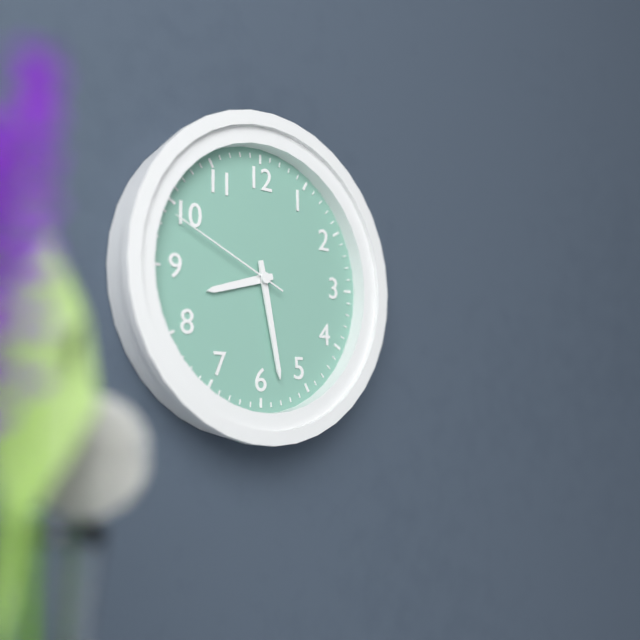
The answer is 8:28:49
